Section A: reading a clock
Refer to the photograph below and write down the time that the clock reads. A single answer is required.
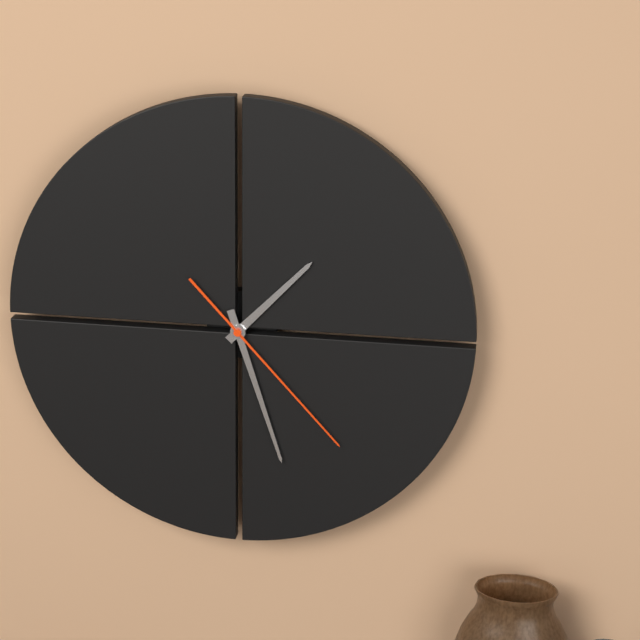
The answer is 1:27:23
